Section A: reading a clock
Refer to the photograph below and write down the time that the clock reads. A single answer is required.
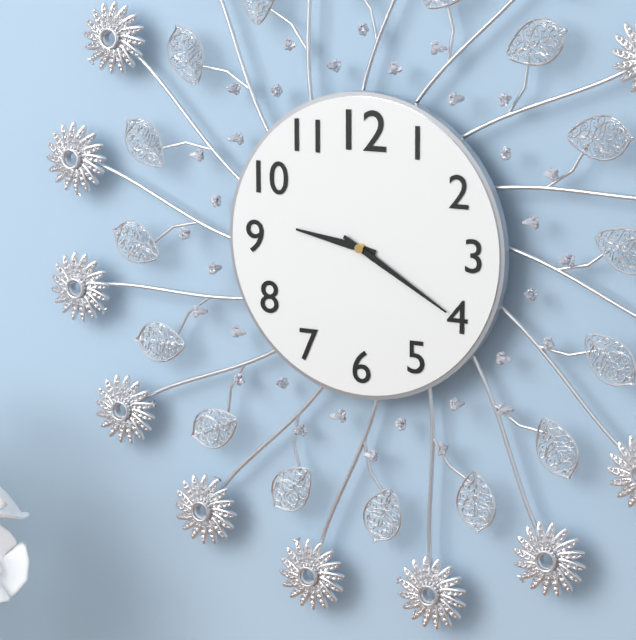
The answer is 9:20
